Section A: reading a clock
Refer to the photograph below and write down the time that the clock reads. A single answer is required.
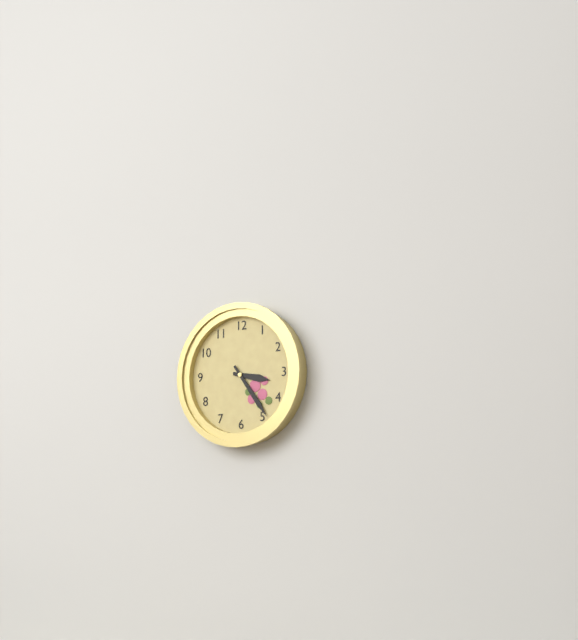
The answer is 3:24
